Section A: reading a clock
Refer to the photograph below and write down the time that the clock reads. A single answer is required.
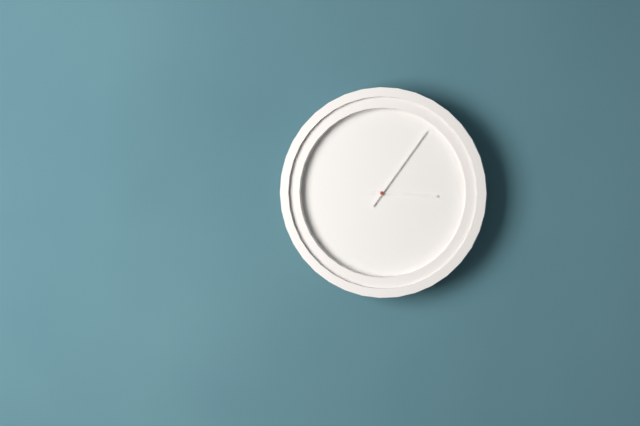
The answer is 3:06
